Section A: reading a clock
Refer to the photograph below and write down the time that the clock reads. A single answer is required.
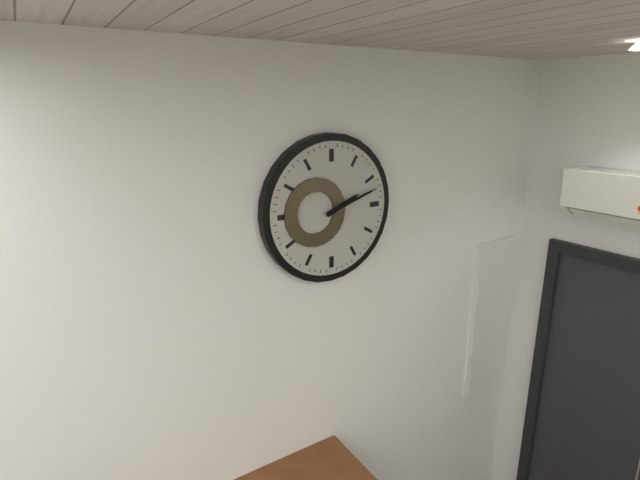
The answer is 2:12
